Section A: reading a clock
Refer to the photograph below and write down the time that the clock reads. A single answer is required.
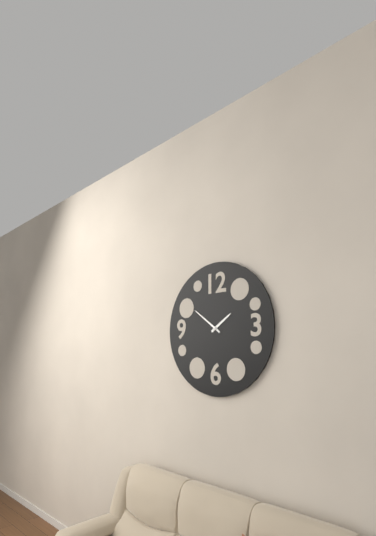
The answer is 1:51
